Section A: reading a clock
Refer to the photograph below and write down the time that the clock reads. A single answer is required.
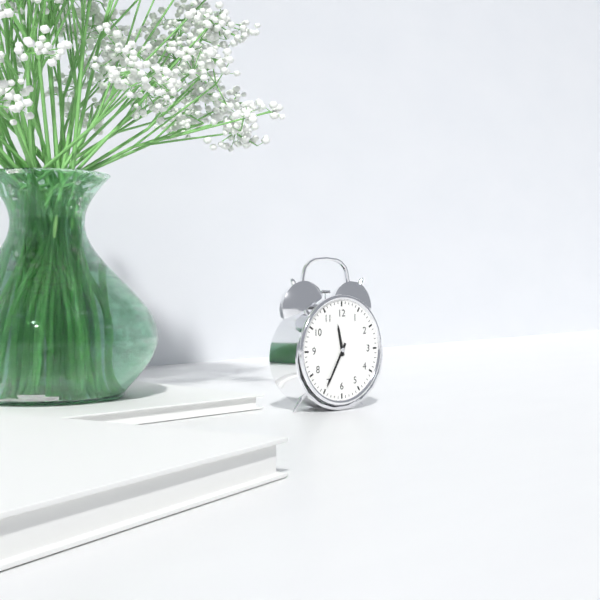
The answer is 11:35
